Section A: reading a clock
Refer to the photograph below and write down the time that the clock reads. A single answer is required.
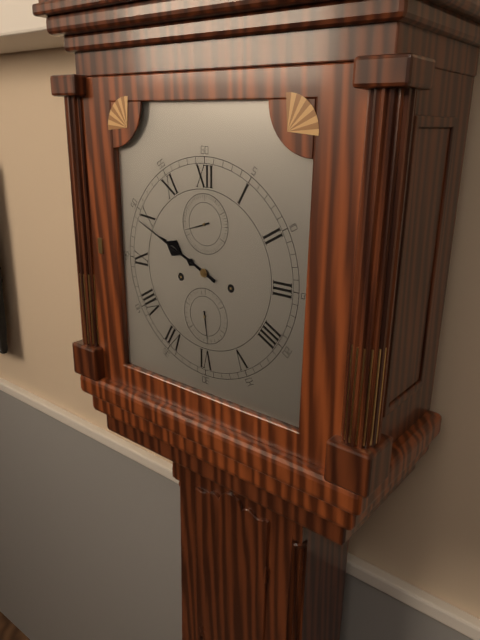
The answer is 9:49
